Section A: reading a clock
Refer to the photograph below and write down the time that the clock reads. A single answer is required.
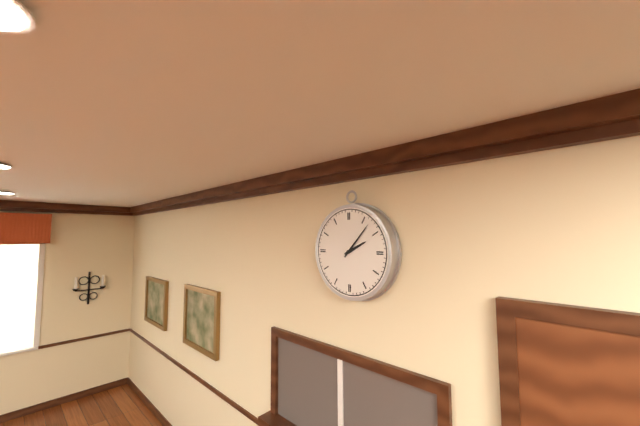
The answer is 2:07
